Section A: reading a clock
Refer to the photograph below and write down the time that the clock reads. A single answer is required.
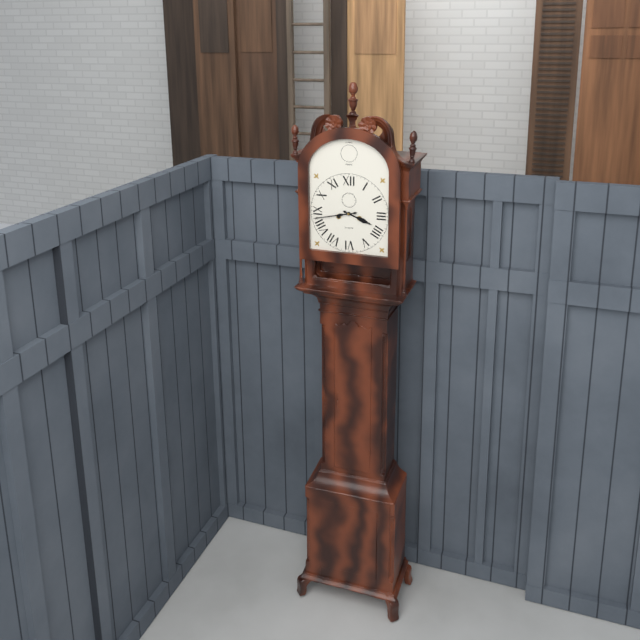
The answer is 3:43
